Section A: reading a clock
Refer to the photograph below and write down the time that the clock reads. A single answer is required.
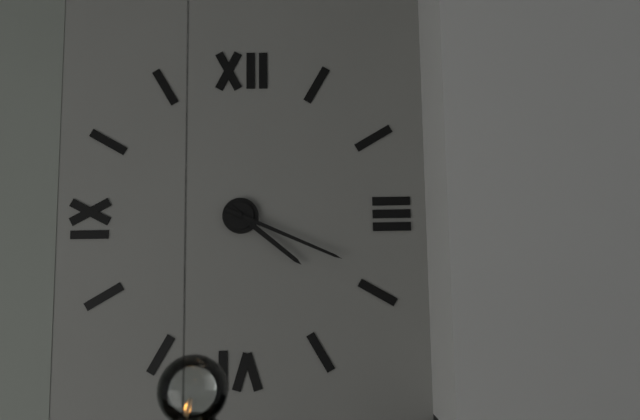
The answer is 4:19
